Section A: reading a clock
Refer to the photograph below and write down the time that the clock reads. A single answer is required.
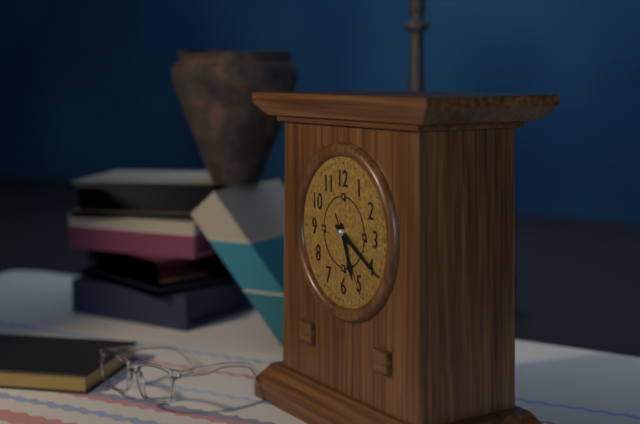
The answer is 5:20:25
